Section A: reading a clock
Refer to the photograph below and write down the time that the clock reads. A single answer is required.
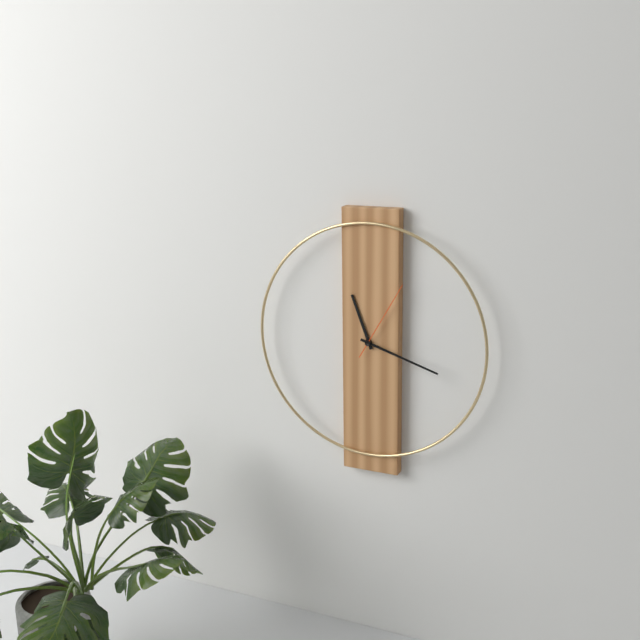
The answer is 11:18:05
